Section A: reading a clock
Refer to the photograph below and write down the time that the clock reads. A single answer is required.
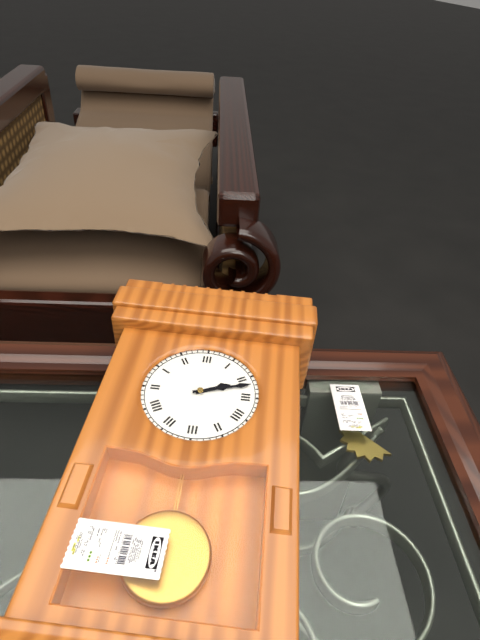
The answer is 2:12
